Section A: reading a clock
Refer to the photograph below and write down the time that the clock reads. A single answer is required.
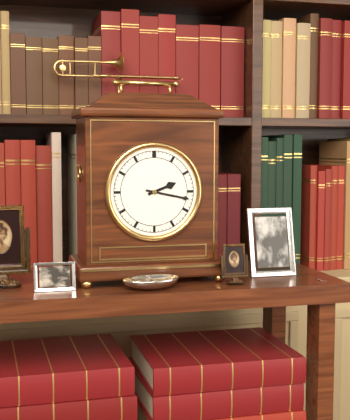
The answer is 2:17
